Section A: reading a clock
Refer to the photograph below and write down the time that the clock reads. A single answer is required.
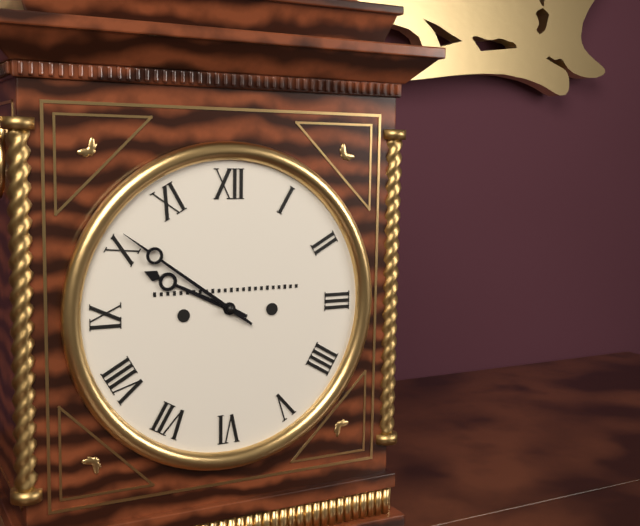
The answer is 9:51
